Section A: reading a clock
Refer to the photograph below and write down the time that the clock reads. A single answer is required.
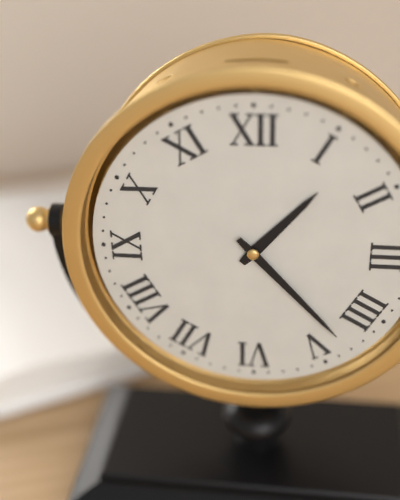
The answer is 1:23
